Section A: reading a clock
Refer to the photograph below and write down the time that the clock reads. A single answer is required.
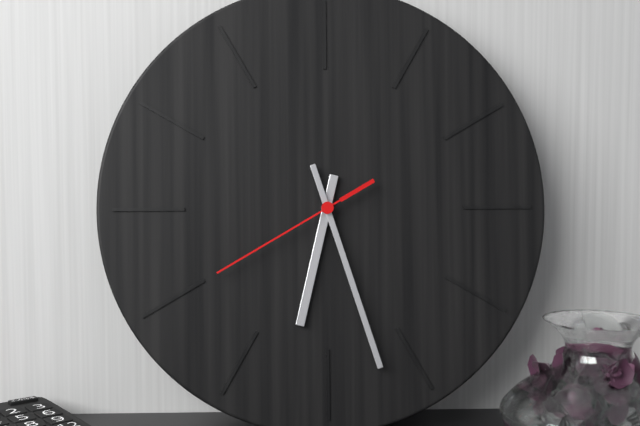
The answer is 6:27:40
